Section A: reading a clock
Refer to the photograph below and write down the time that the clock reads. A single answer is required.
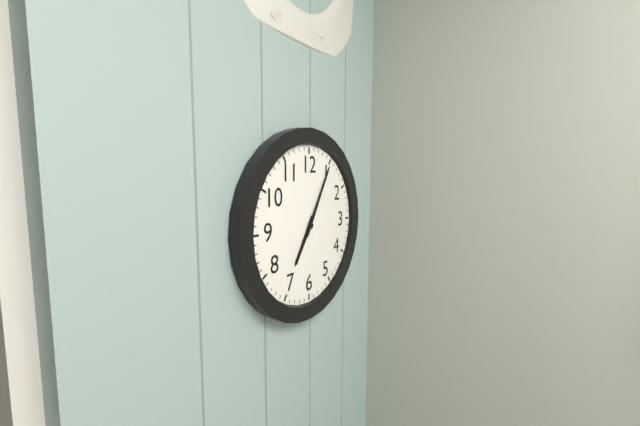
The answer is 7:05
